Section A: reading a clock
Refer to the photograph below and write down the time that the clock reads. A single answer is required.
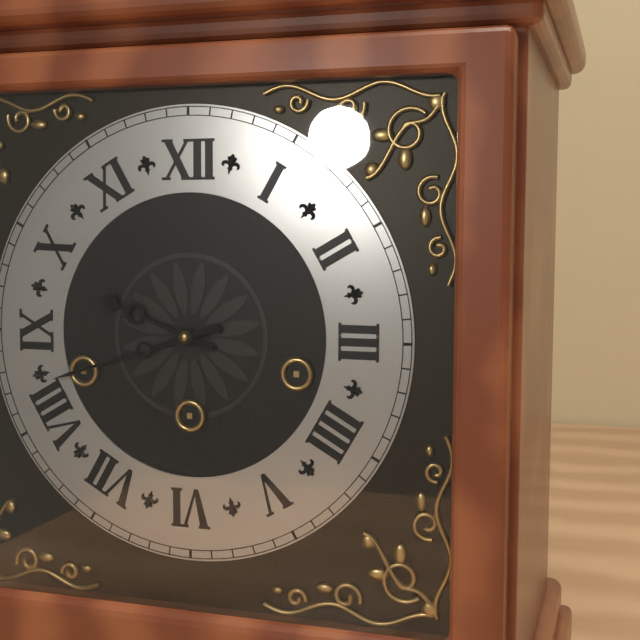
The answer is 9:42
